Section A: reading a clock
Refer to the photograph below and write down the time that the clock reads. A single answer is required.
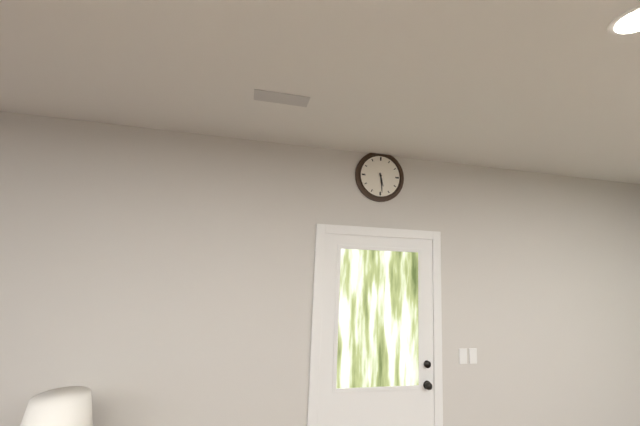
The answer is 5:29
